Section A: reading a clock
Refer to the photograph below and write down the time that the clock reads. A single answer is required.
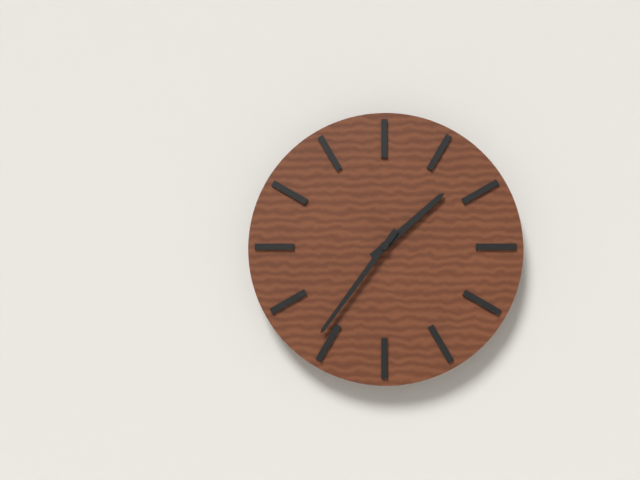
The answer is 1:36
